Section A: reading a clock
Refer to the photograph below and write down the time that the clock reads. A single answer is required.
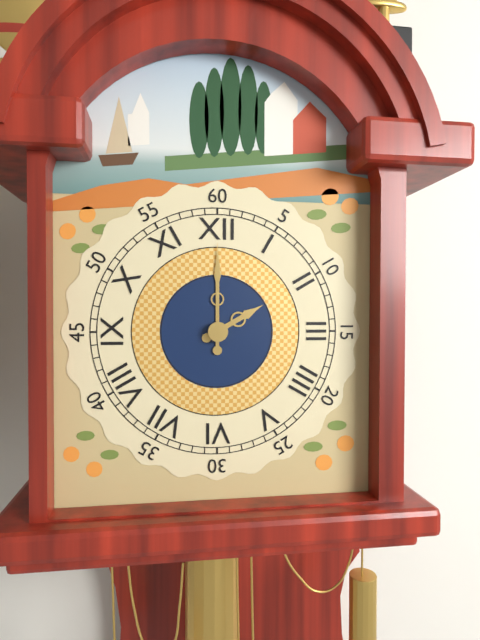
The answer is 2:00
